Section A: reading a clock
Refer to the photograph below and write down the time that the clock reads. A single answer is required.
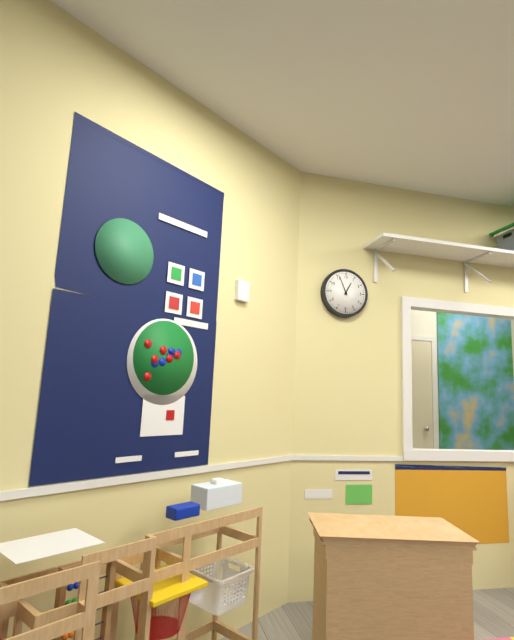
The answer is 12:56
